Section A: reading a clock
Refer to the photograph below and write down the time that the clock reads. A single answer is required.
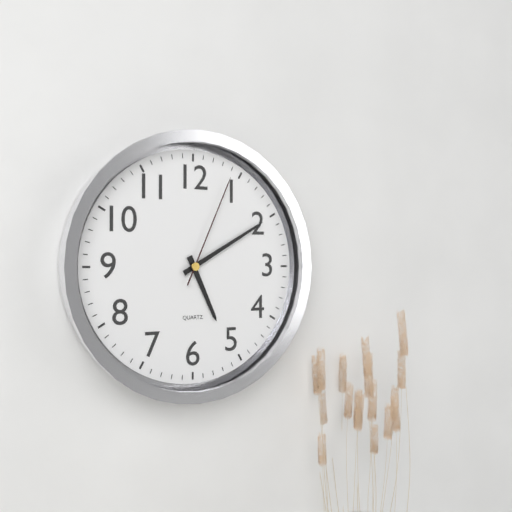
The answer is 5:10:04
